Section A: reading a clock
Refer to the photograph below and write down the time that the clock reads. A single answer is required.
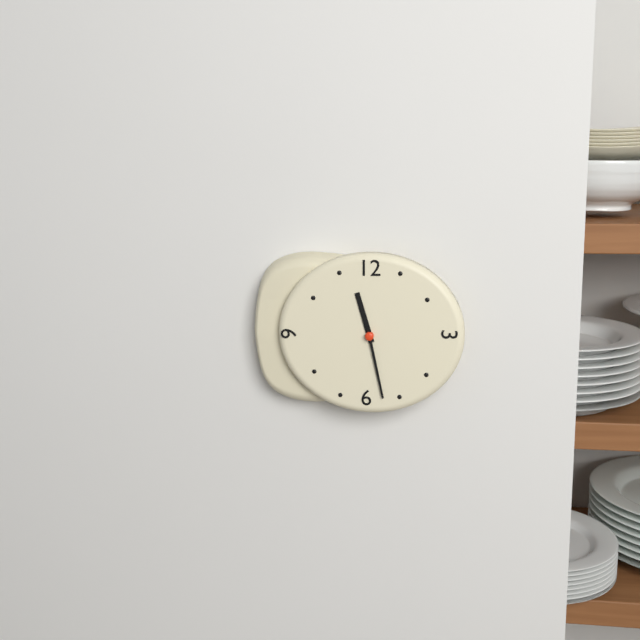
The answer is 11:28
